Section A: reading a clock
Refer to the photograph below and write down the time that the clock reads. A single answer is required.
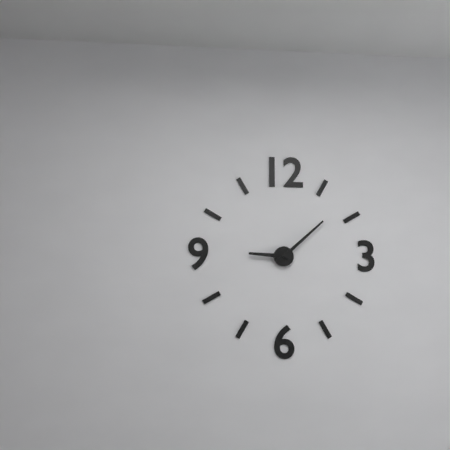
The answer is 9:08
